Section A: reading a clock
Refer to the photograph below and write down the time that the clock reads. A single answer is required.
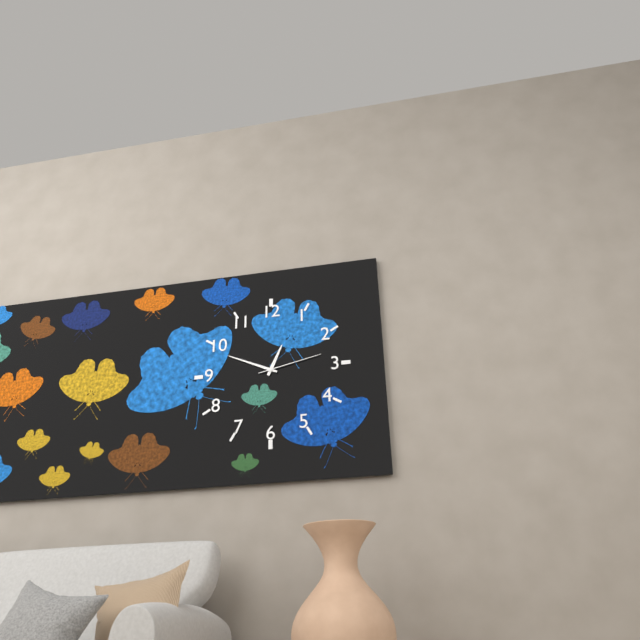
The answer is 12:49:13
